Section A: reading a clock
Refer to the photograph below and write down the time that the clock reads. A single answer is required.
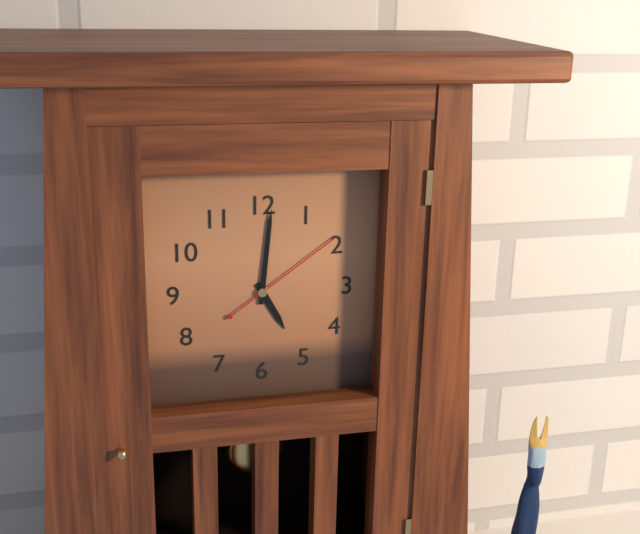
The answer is 5:01:09
